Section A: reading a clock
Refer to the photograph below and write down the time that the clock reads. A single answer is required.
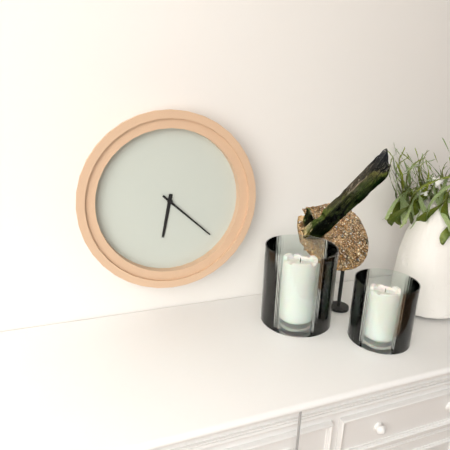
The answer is 6:22
